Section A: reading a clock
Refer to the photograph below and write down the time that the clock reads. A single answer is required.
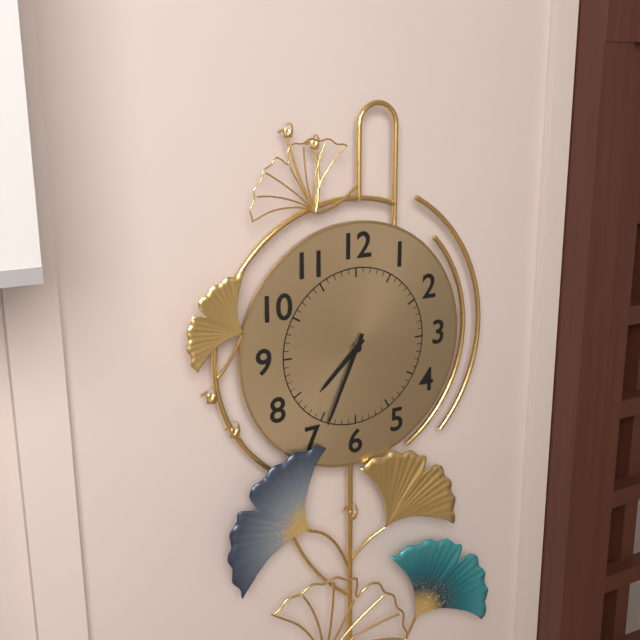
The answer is 7:34
